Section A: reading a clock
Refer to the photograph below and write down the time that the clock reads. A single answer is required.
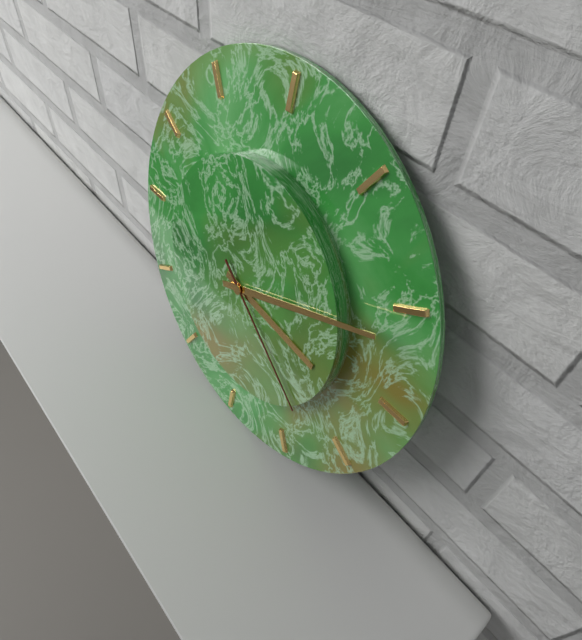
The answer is 3:11:21
